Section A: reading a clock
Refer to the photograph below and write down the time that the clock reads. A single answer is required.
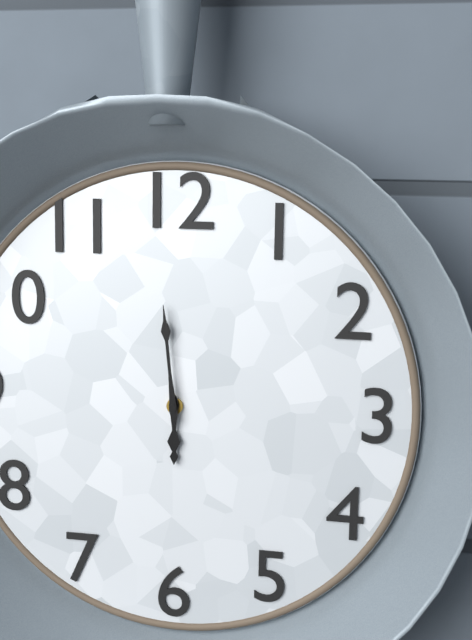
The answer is 5:59
